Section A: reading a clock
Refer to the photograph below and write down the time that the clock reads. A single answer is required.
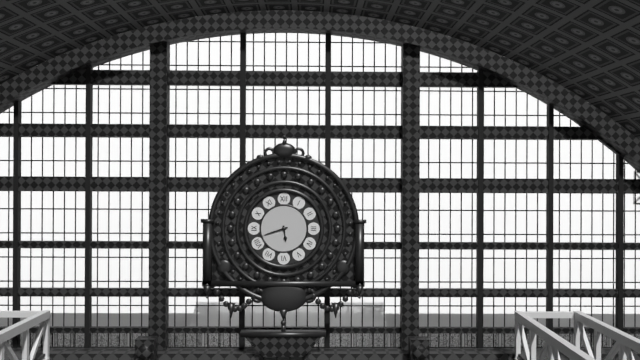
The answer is 5:42
